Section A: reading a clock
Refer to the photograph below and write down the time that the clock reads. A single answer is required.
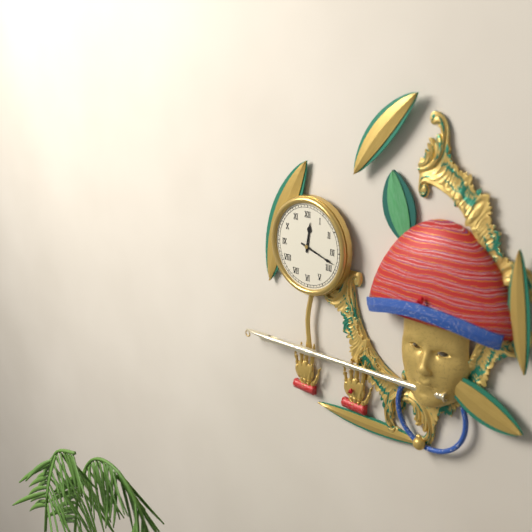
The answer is 12:18
